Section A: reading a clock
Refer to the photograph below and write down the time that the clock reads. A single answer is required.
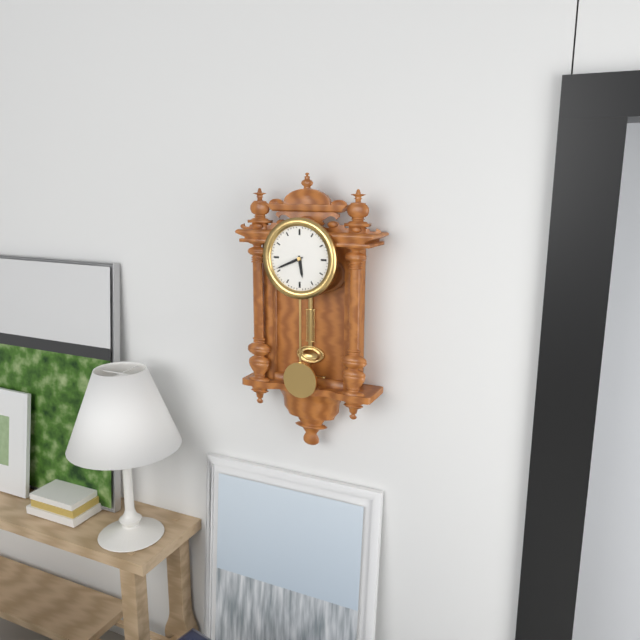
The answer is 5:41
